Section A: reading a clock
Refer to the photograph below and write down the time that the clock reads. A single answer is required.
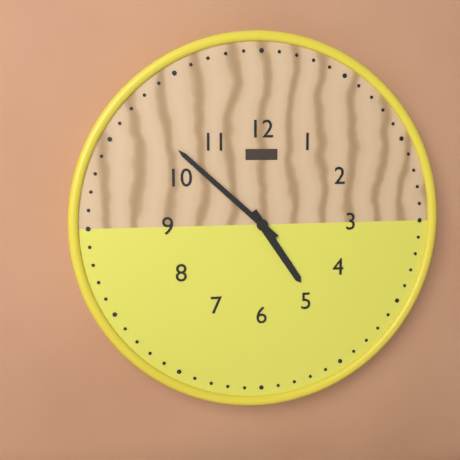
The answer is 4:52
